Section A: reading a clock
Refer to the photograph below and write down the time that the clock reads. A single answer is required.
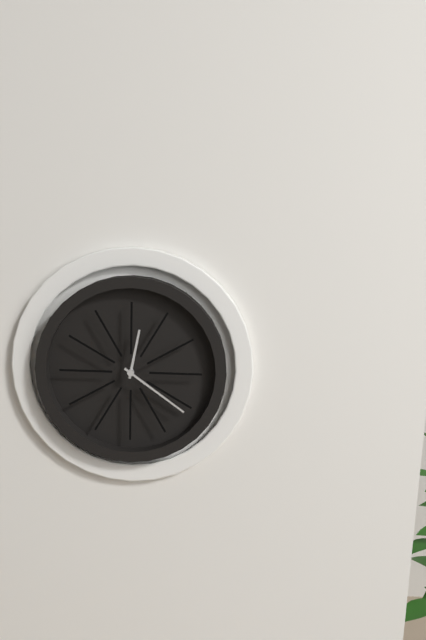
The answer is 12:21
